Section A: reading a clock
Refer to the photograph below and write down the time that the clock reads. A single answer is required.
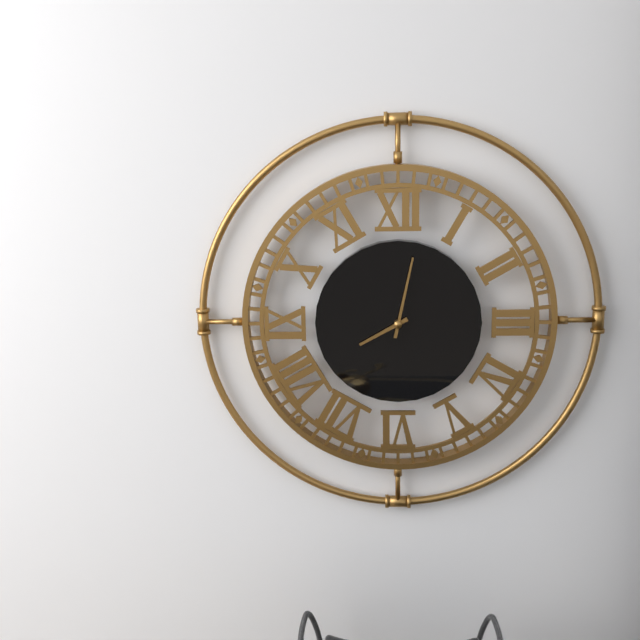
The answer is 8:02
